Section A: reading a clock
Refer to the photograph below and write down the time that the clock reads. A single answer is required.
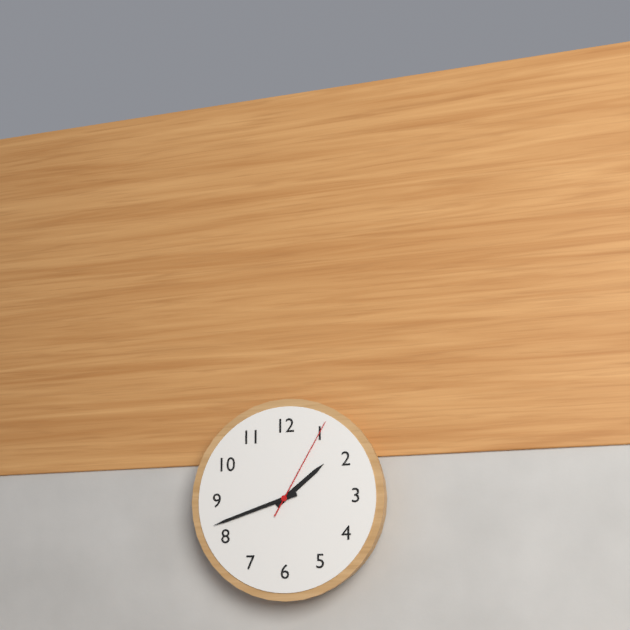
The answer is 1:42:05
